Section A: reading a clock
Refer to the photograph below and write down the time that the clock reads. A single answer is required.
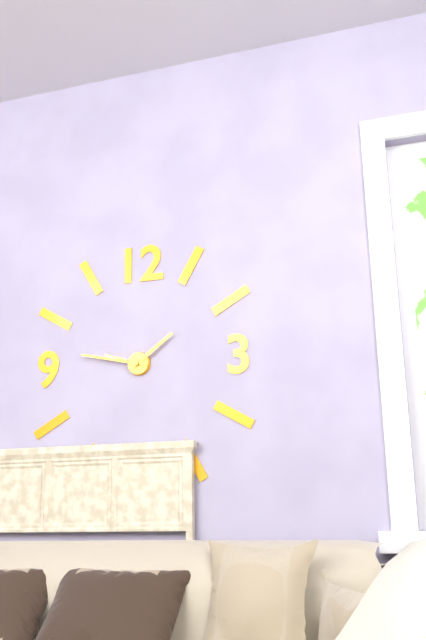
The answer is 1:47
